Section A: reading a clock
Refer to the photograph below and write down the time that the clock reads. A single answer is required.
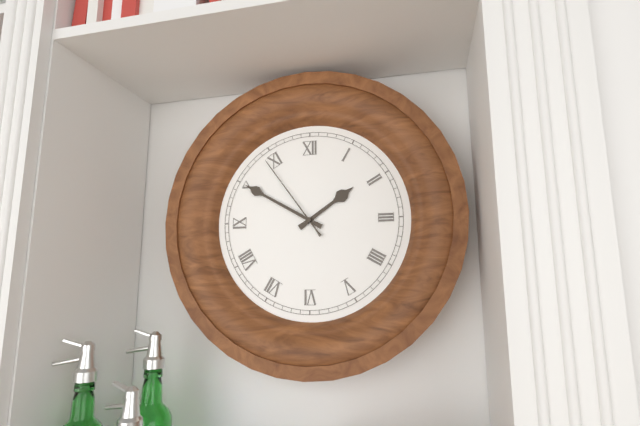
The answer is 1:50:54
